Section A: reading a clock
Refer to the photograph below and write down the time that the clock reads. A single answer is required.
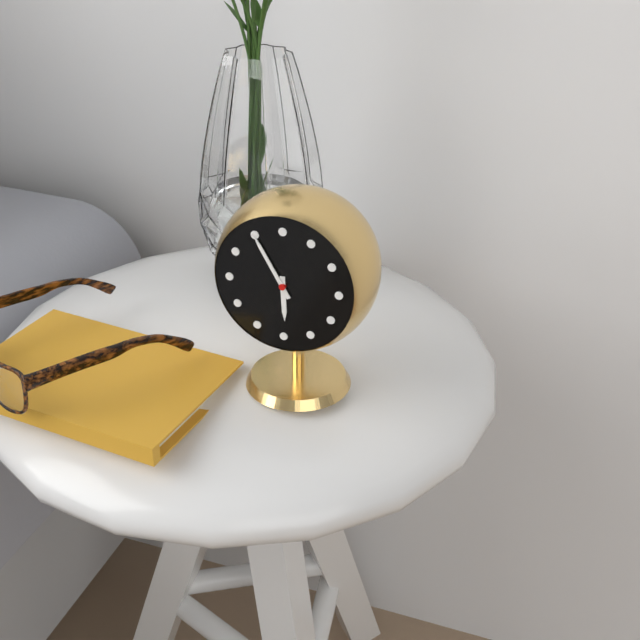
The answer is 5:55
